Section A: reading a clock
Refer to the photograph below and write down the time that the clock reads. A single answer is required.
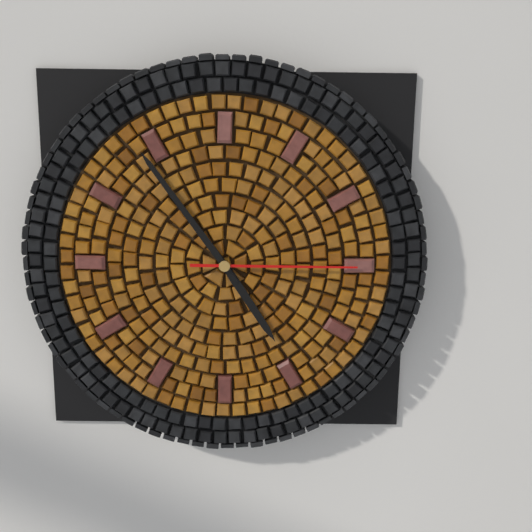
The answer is 4:54:15
